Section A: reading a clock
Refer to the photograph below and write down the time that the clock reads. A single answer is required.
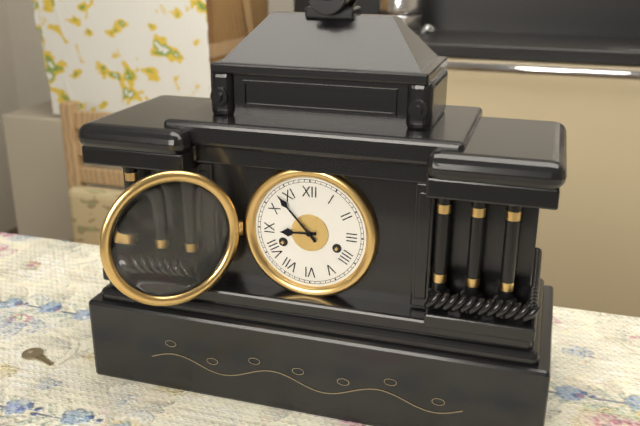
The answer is 8:53
